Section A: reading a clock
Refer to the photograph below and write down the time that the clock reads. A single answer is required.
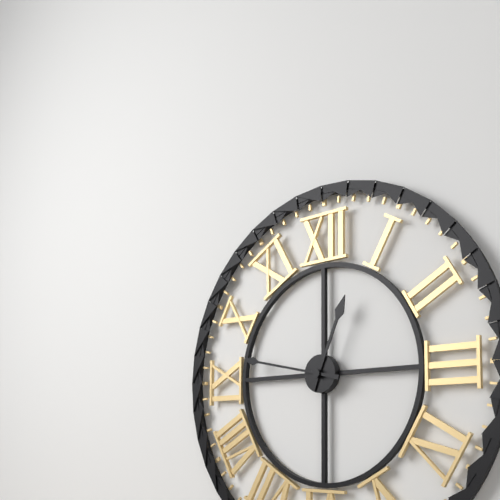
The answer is 12:47
